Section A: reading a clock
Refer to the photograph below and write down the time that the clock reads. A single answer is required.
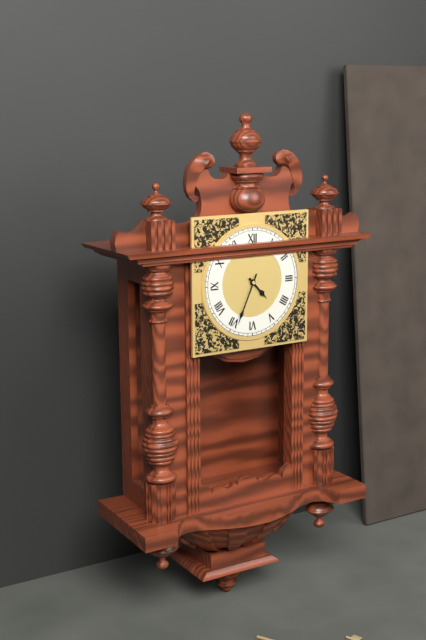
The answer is 4:34
